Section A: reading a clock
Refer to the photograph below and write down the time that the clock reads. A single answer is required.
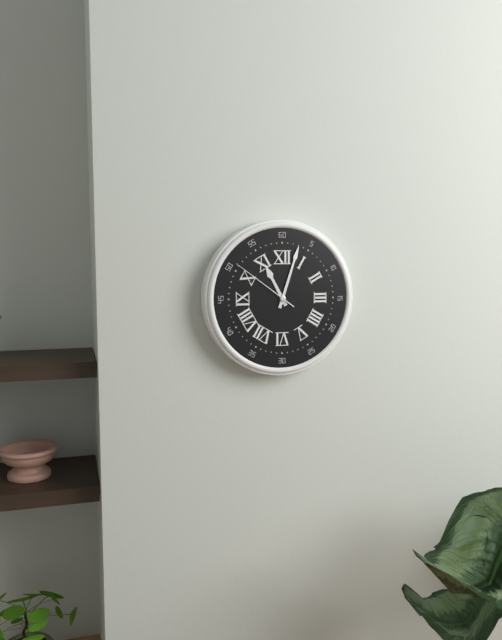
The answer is 11:03:51
